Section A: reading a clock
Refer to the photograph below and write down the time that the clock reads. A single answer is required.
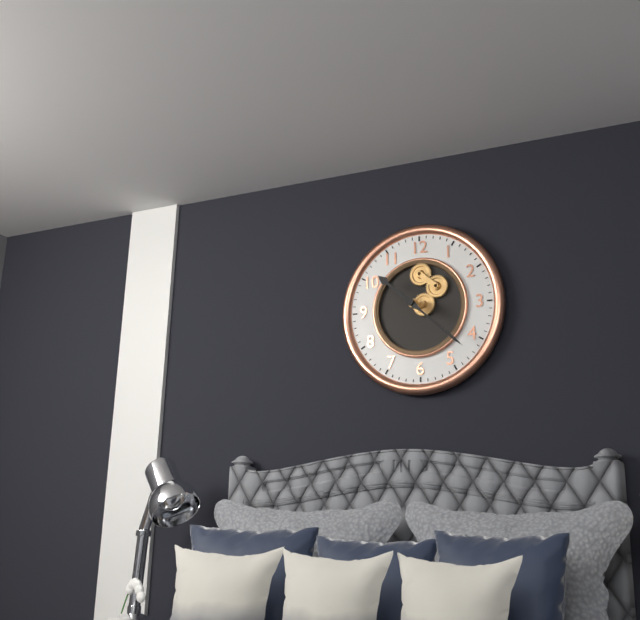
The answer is 10:22
